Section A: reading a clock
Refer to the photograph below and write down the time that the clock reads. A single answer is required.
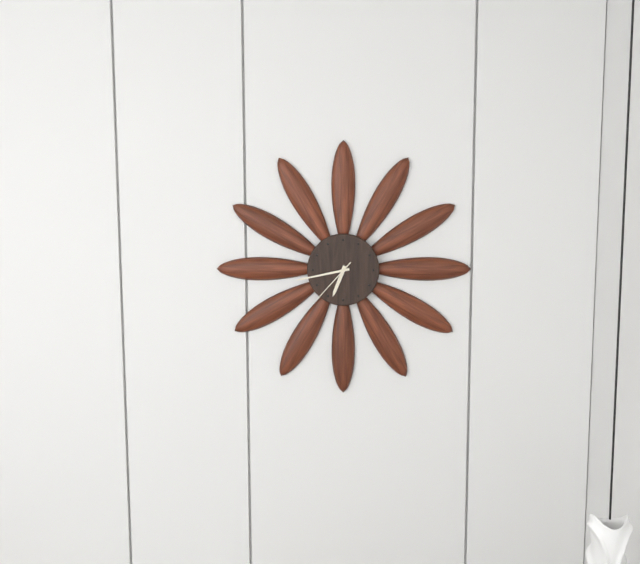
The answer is 6:43:37
